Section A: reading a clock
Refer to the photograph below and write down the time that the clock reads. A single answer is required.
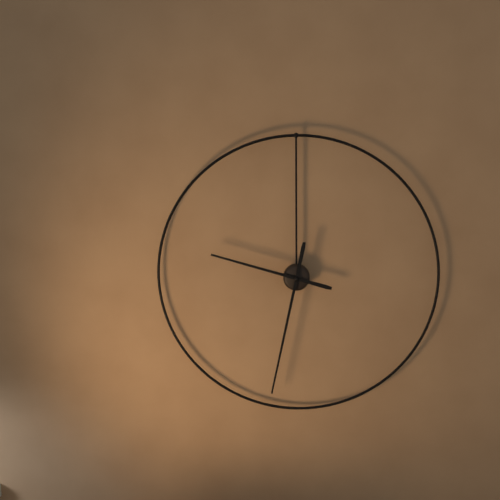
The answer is 9:32
